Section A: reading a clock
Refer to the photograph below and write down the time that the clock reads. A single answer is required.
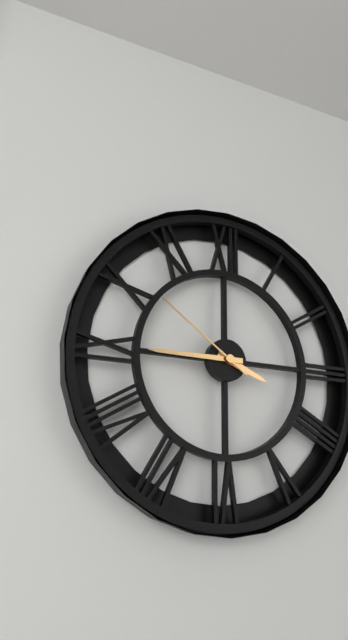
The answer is 3:45:51
